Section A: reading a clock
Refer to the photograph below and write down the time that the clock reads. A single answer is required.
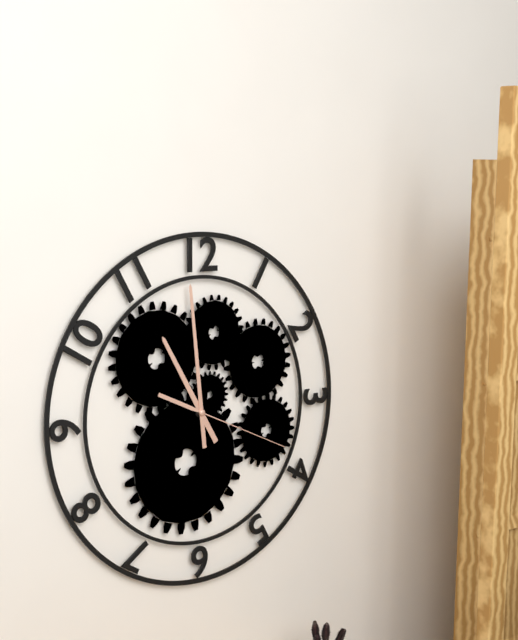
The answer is 10:59:19
